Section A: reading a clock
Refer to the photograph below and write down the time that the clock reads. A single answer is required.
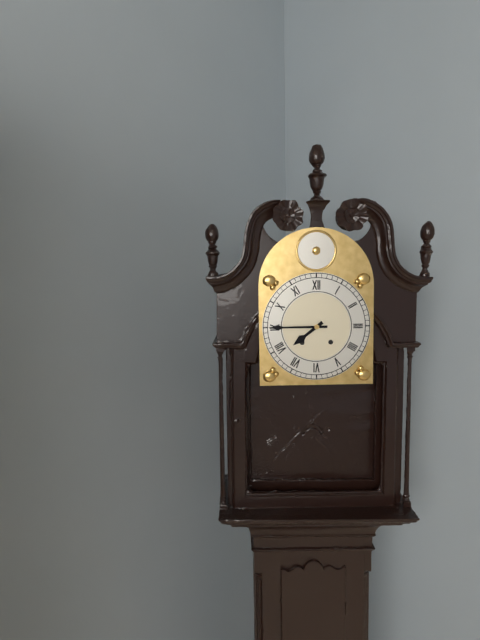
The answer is 7:45
